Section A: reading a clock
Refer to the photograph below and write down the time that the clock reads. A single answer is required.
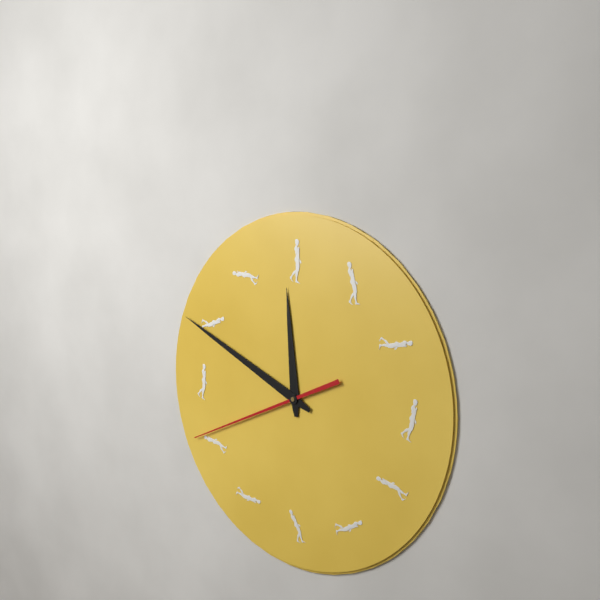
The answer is 11:49:41
